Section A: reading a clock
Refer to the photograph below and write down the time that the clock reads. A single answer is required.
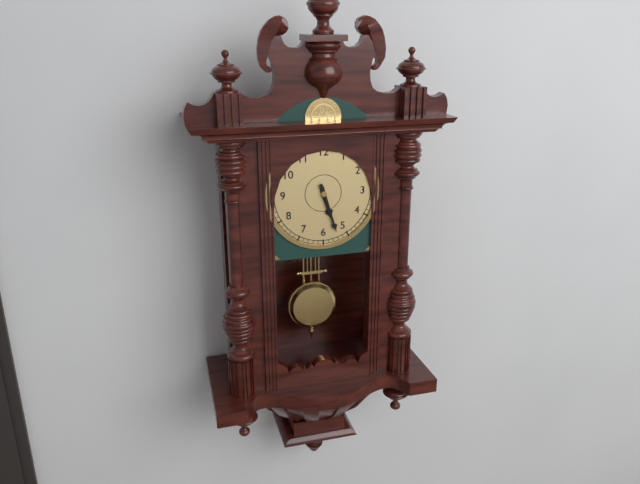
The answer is 5:27
